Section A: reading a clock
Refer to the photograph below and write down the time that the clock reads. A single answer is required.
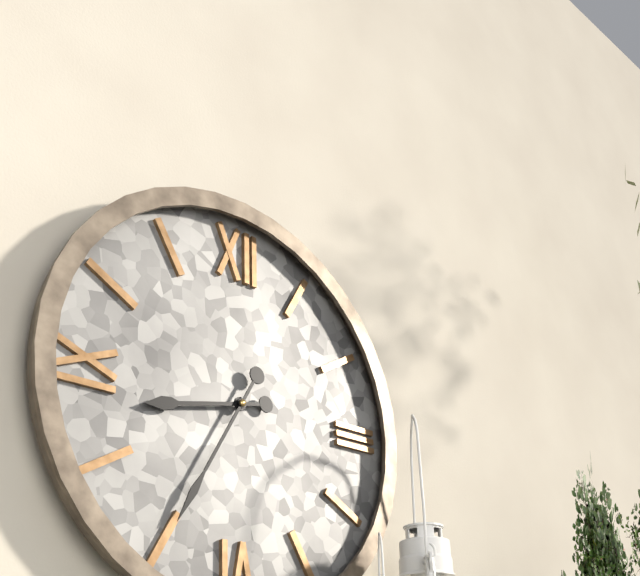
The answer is 8:35
